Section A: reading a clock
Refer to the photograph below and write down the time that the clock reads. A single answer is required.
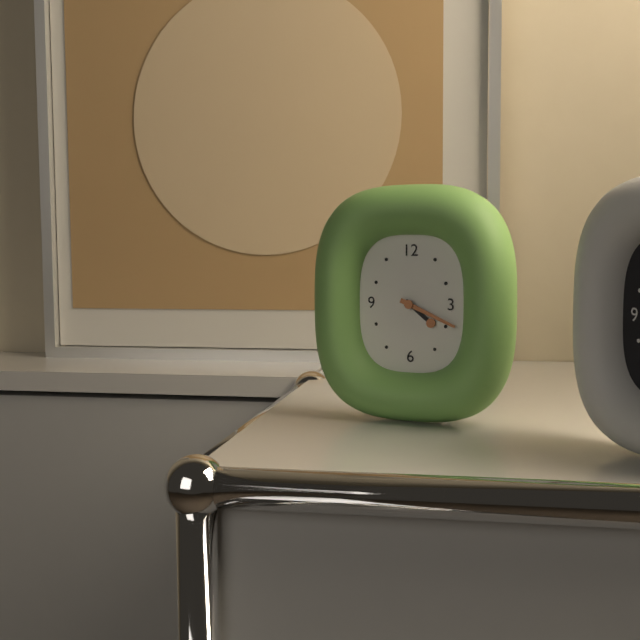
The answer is 4:19
